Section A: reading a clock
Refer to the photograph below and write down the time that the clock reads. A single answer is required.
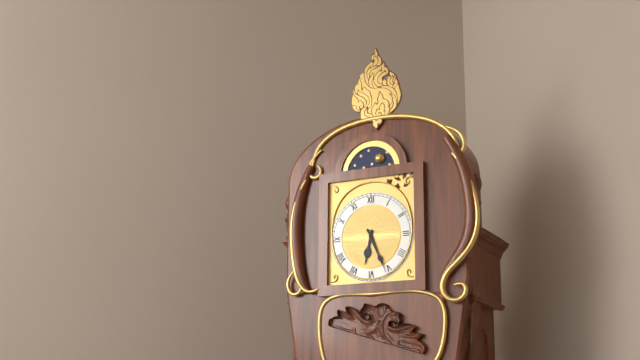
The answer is 6:26
